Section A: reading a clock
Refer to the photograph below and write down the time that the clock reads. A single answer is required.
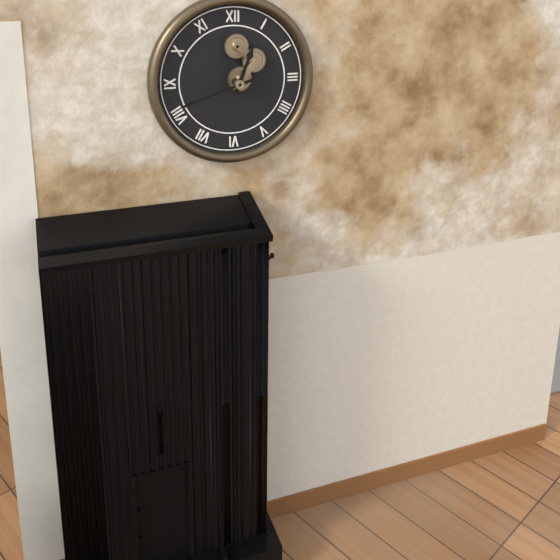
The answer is 12:42
